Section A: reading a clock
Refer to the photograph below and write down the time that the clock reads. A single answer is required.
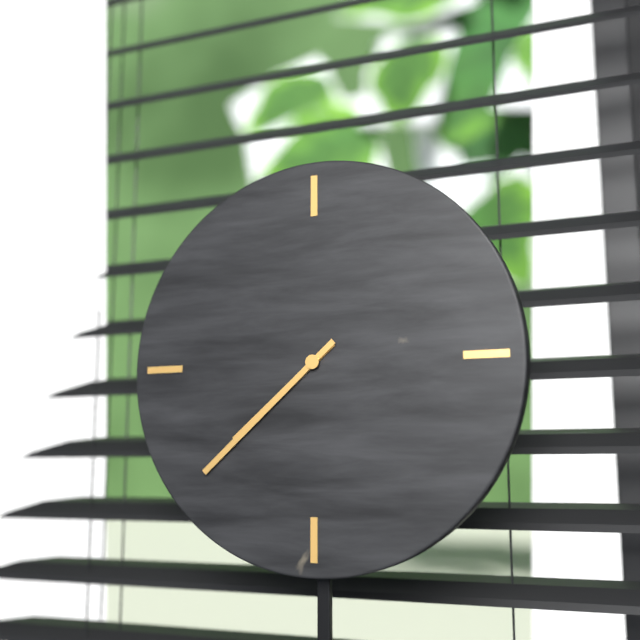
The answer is 7:38
